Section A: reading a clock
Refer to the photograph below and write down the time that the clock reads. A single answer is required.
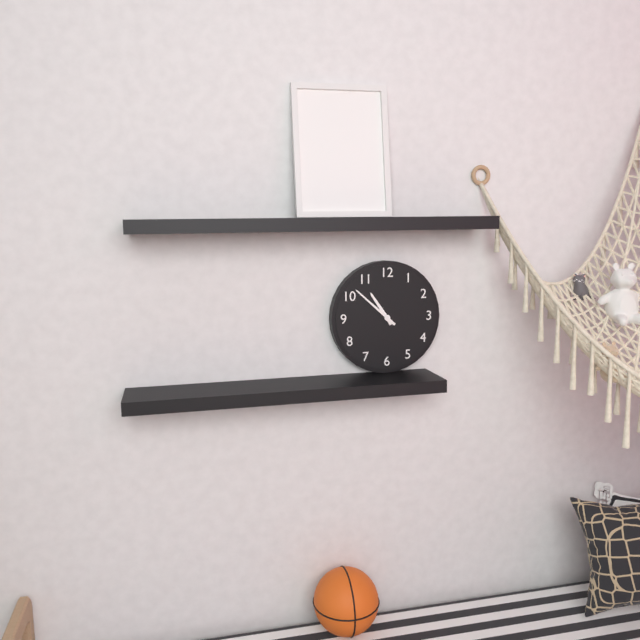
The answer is 10:52
